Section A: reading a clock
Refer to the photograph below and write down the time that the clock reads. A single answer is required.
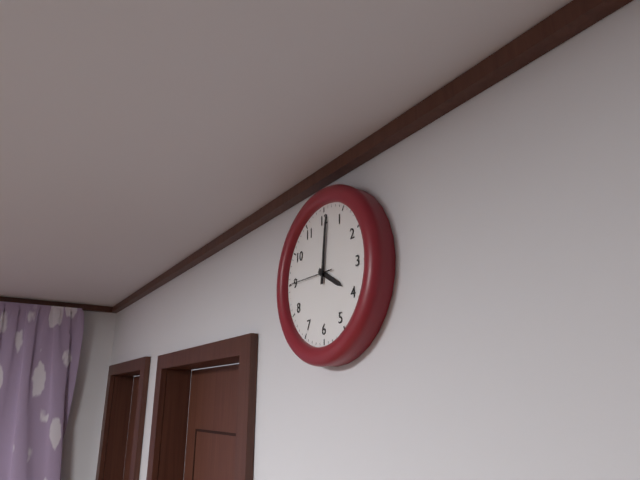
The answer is 4:01
